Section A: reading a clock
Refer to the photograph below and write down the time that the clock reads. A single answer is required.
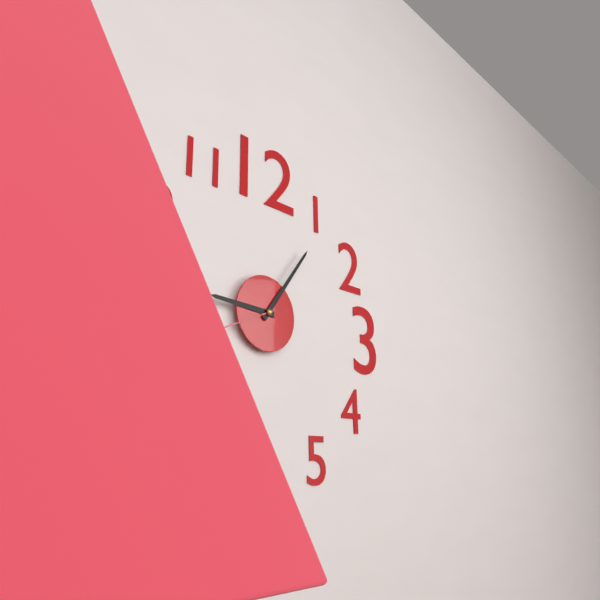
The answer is 9:06:41
